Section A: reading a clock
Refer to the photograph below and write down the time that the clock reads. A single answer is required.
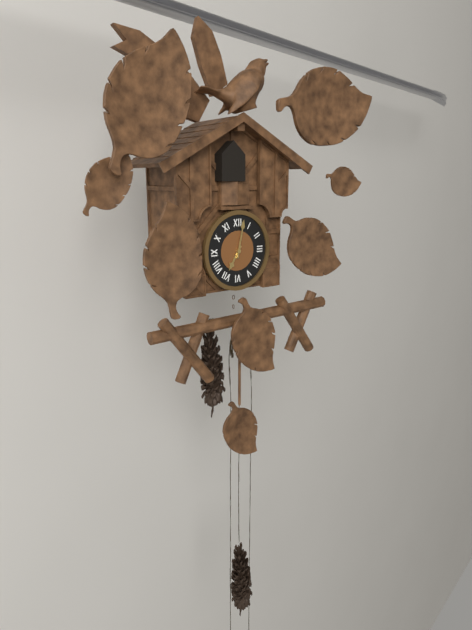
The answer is 7:02
